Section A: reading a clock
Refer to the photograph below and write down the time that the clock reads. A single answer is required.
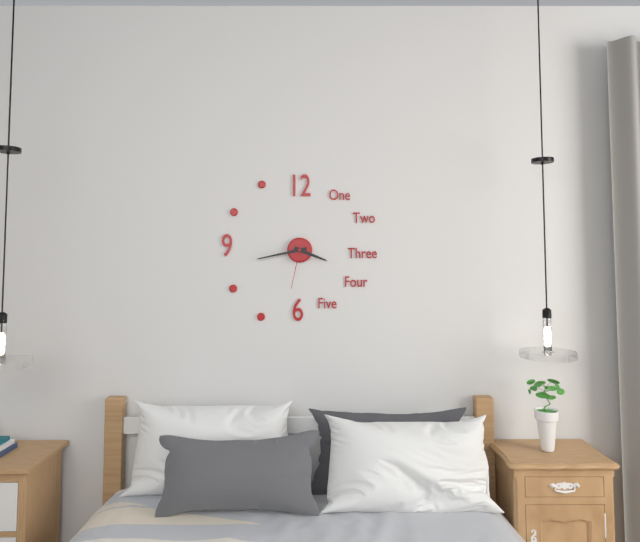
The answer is 3:43
